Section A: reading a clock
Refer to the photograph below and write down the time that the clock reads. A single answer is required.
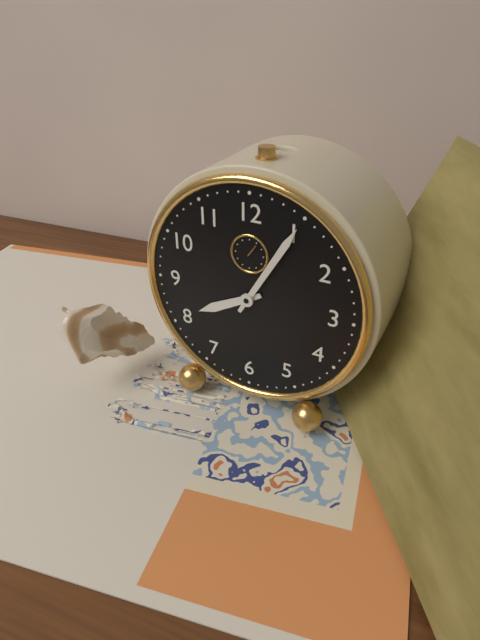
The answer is 8:05
